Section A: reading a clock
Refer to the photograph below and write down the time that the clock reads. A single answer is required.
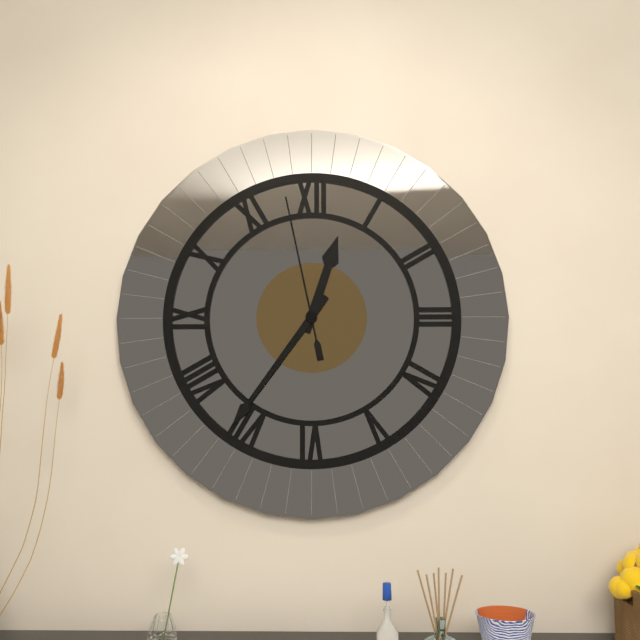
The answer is 12:36:58
